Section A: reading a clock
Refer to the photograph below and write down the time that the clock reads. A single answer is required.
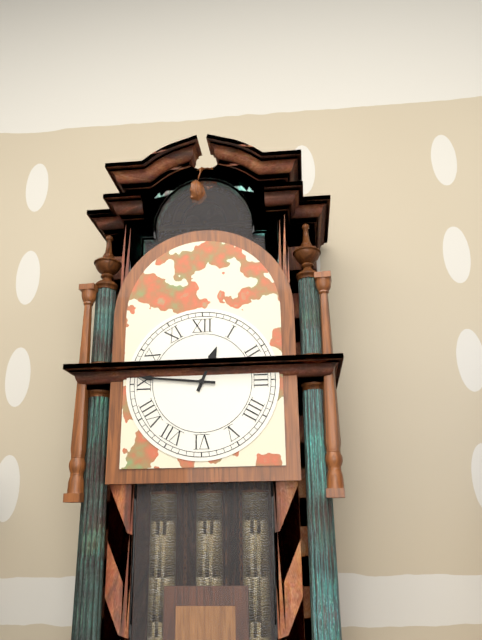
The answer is 12:46
